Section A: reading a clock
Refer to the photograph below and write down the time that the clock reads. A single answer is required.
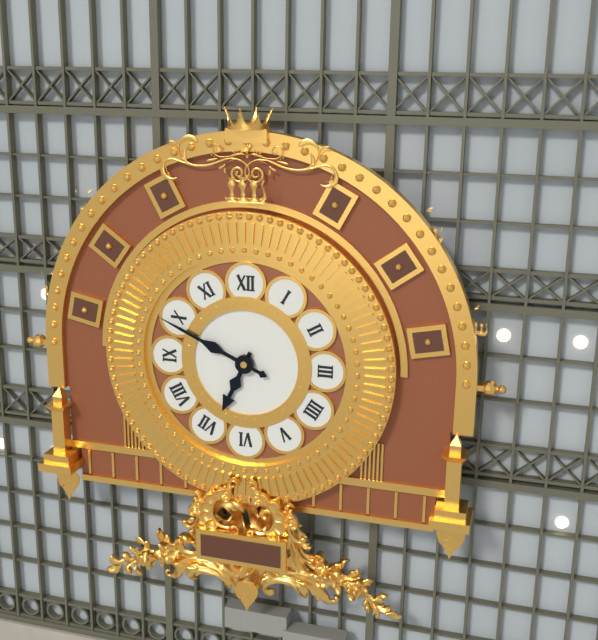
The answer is 6:49
